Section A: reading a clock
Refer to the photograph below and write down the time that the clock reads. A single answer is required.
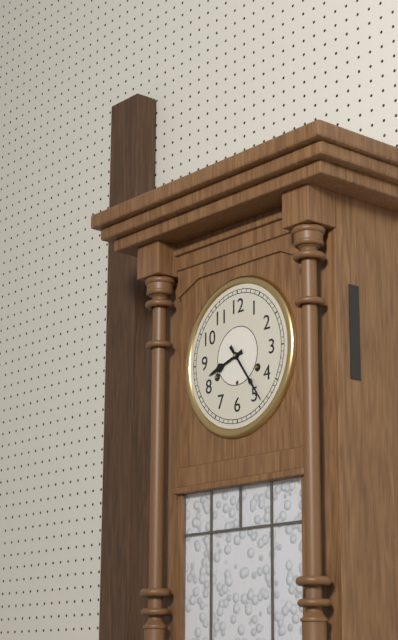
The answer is 8:24
